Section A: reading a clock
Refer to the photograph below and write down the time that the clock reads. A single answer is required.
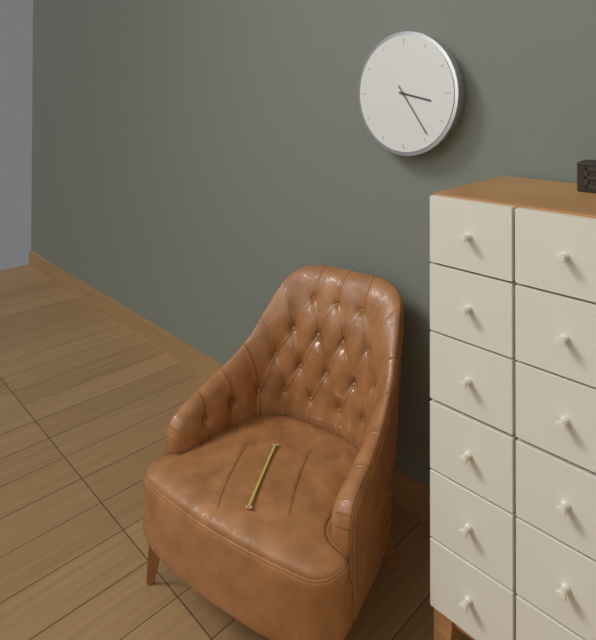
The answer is 3:24
